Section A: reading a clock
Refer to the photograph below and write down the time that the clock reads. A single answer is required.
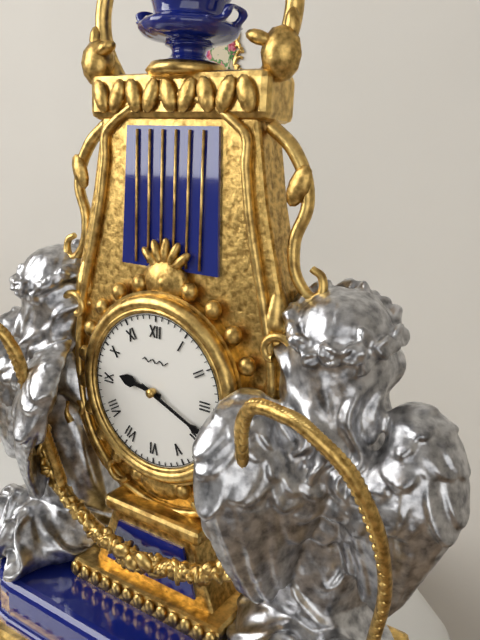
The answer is 9:19
